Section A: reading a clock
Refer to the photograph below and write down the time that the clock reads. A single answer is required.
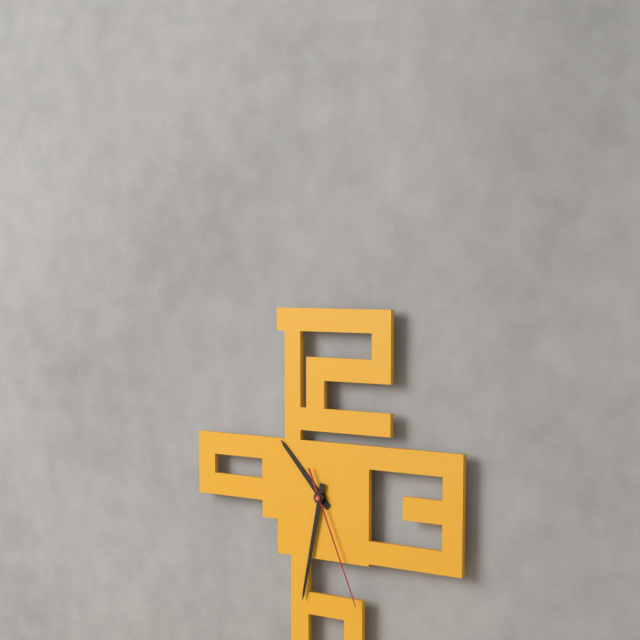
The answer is 10:32:26
